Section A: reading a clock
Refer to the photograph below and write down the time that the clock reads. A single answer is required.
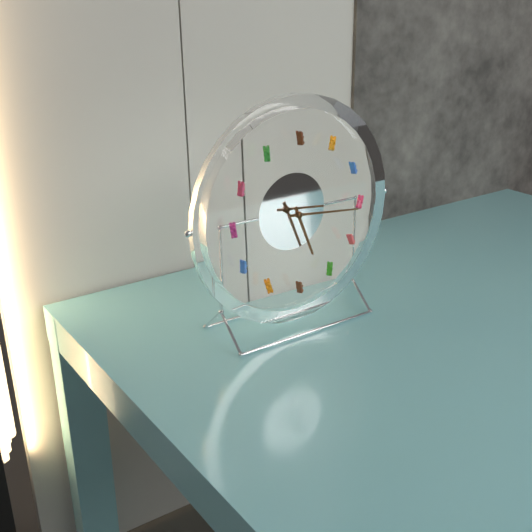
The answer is 5:16
